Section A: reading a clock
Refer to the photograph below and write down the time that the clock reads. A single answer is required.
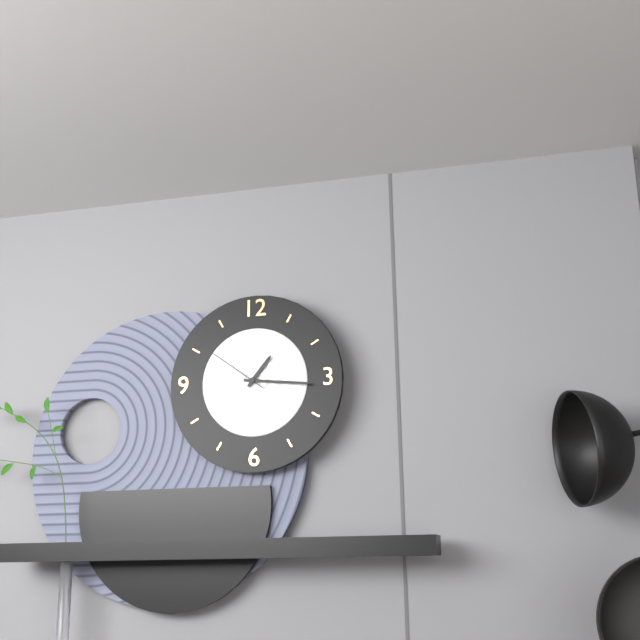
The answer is 1:16:51
